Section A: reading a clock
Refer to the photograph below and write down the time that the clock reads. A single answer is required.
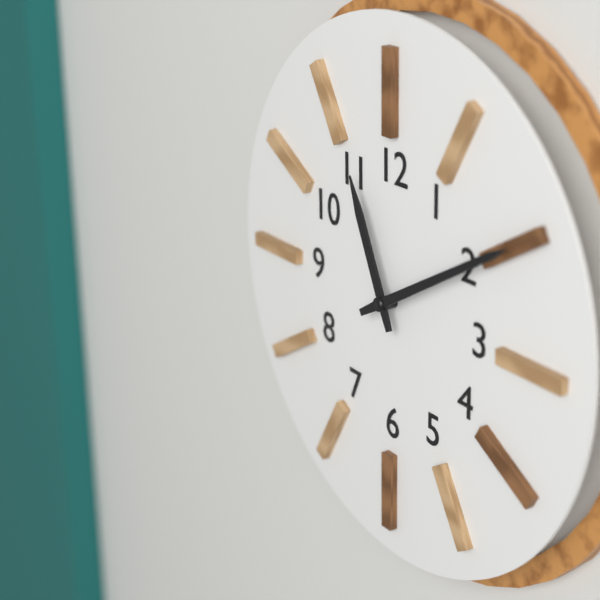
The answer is 11:10
